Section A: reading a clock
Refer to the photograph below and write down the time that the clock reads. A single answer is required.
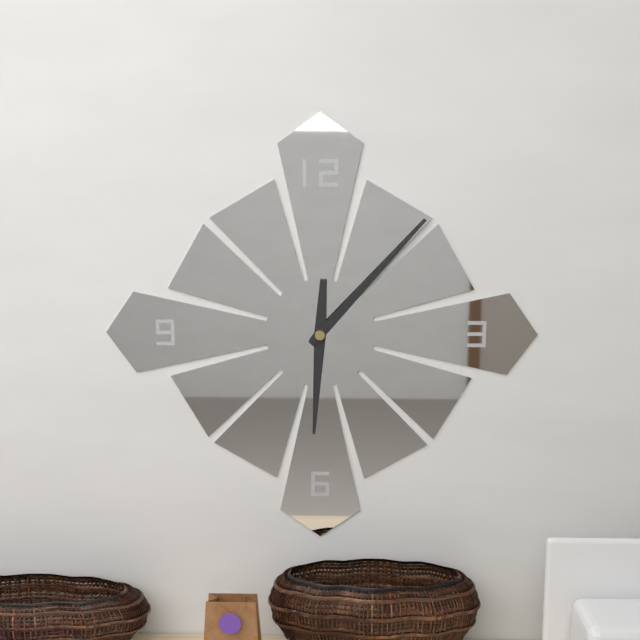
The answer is 6:07
